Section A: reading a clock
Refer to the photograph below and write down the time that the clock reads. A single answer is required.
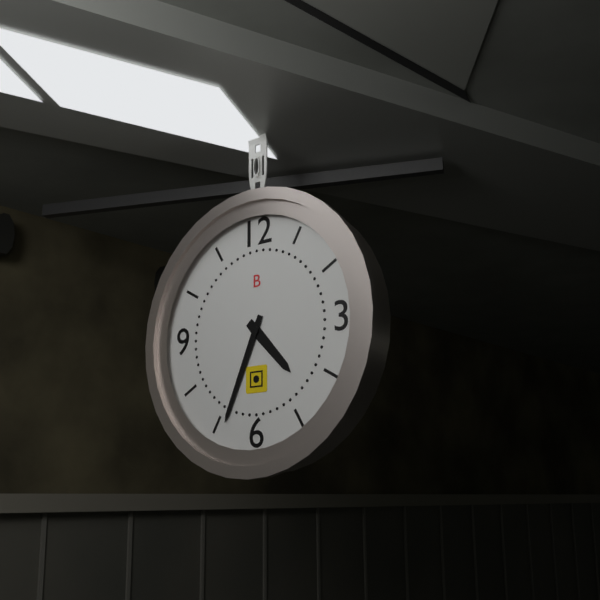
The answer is 4:34
